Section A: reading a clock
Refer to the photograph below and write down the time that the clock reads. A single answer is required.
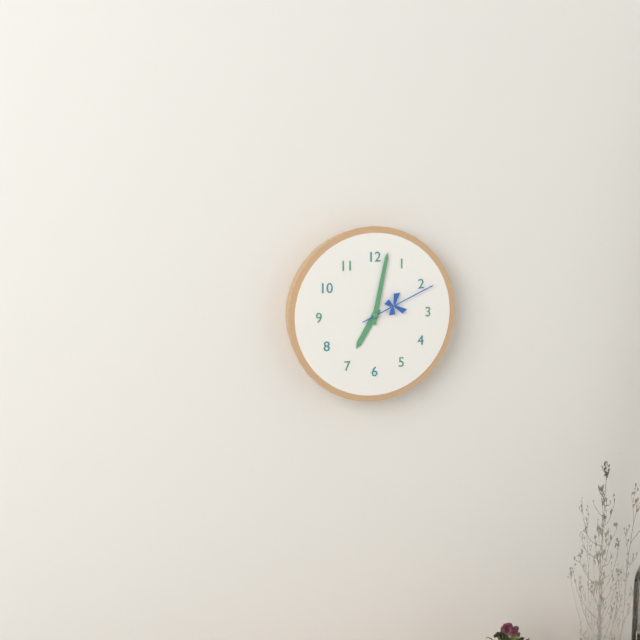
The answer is 7:02:11
